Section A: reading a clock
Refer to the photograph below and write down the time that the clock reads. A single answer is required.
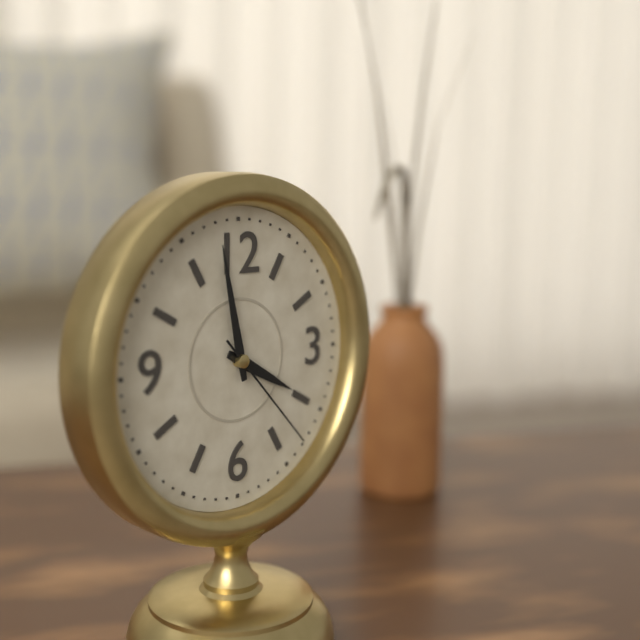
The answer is 3:58:23
